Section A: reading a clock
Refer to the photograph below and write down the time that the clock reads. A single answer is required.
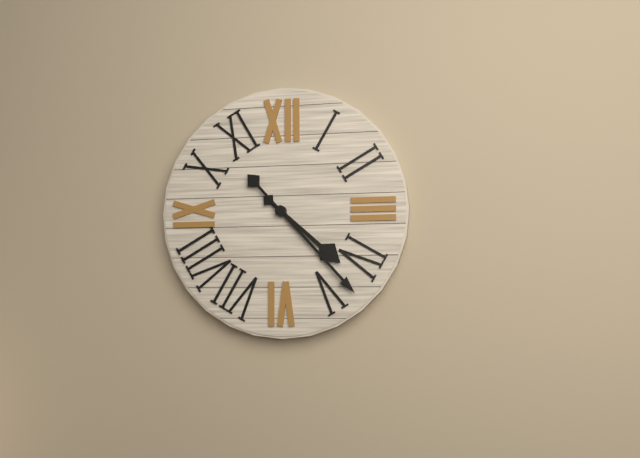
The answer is 4:23
